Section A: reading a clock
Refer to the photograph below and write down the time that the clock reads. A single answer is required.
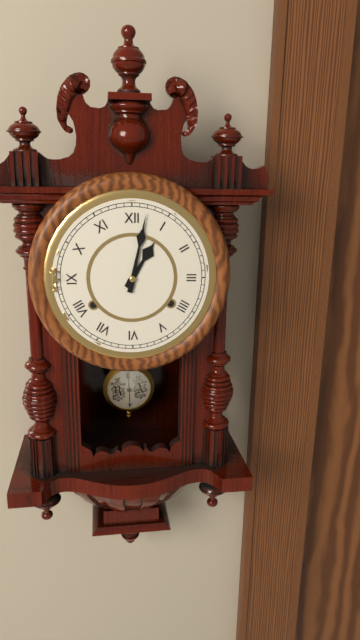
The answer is 1:02
